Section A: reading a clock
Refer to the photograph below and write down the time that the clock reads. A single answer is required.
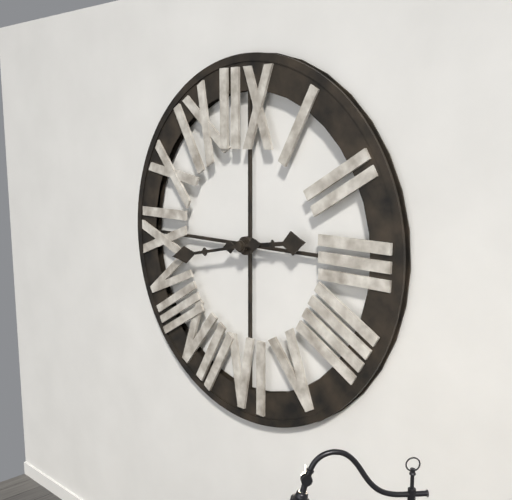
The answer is 2:43
